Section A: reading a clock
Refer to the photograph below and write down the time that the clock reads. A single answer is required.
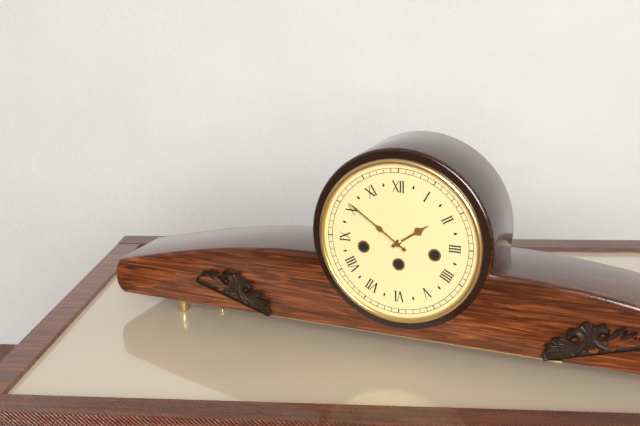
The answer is 1:51
